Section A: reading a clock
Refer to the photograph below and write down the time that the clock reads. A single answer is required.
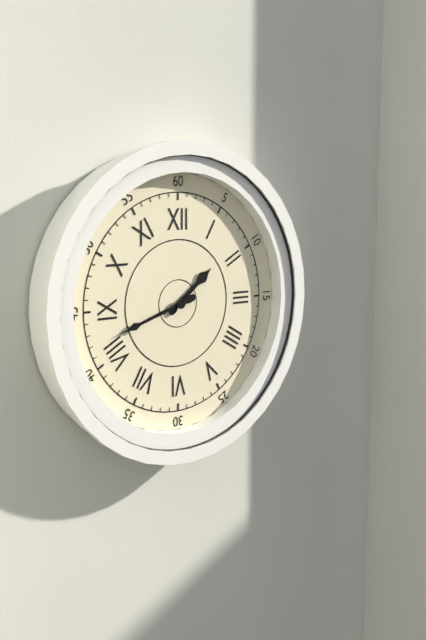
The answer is 1:42
